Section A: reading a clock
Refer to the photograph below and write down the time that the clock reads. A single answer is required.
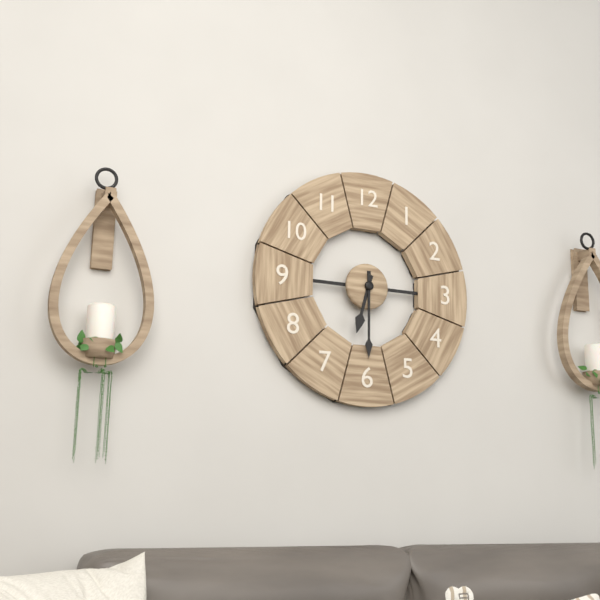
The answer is 6:30
